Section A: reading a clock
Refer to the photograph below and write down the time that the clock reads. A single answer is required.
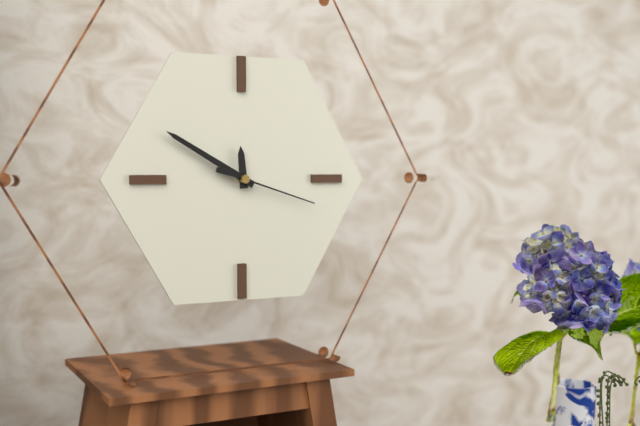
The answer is 11:50:18
